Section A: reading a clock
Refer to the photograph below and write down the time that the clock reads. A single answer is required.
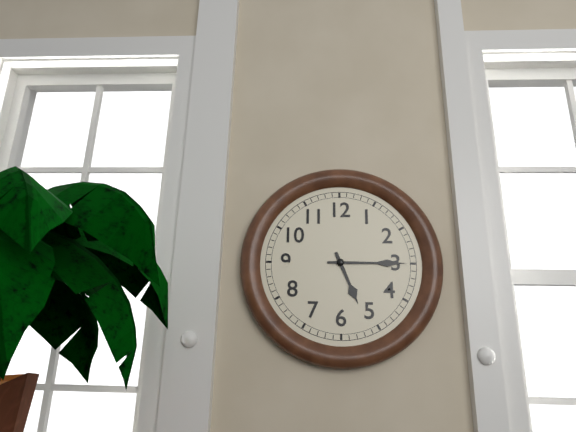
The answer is 5:15
